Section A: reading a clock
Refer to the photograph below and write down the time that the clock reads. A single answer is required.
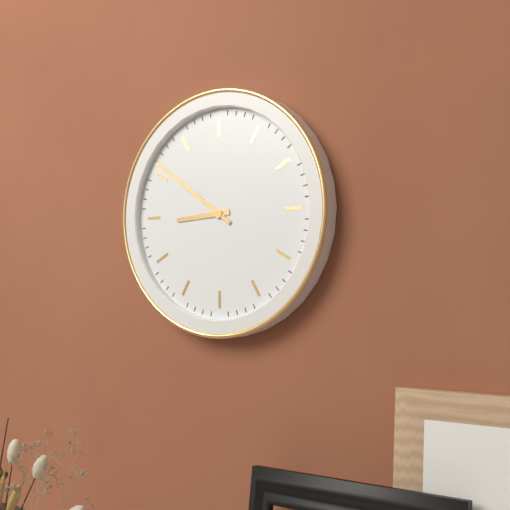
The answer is 8:51
